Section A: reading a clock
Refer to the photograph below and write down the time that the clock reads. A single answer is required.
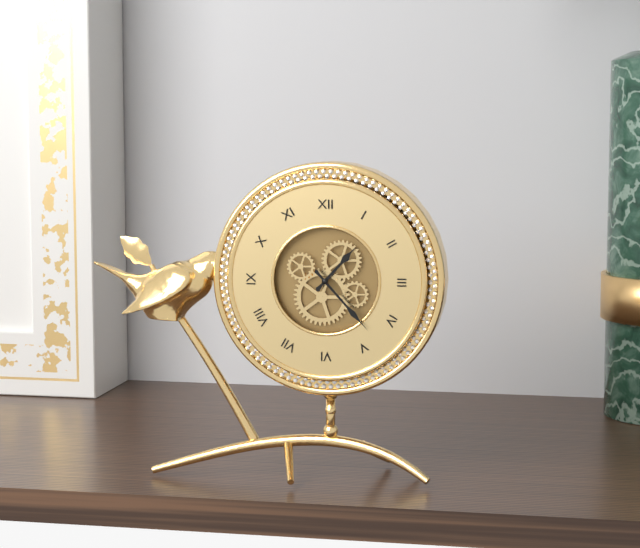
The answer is 1:23
